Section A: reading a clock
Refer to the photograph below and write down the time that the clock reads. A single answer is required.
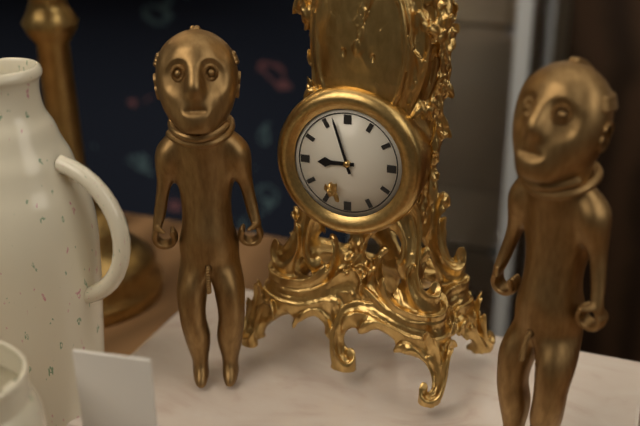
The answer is 8:57
